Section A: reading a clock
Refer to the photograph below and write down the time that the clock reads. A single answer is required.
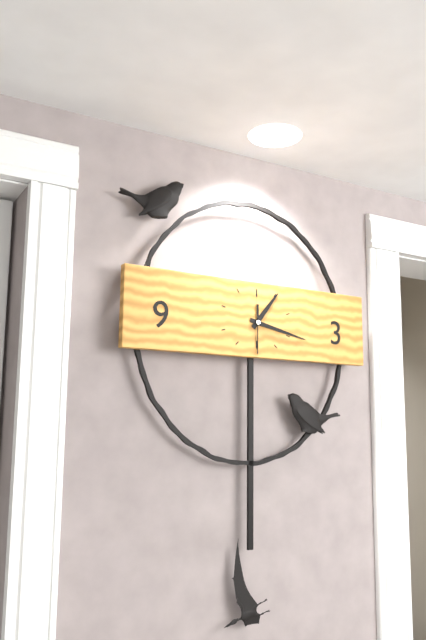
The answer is 1:17
